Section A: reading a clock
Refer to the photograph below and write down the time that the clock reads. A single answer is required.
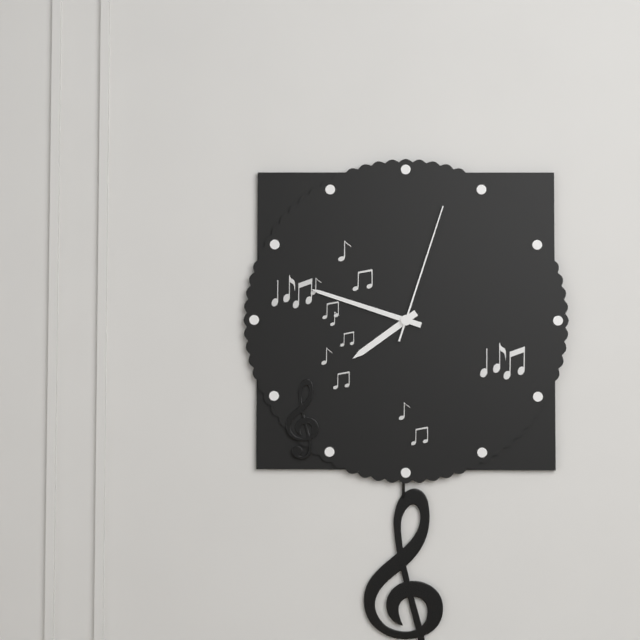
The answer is 7:48:03
